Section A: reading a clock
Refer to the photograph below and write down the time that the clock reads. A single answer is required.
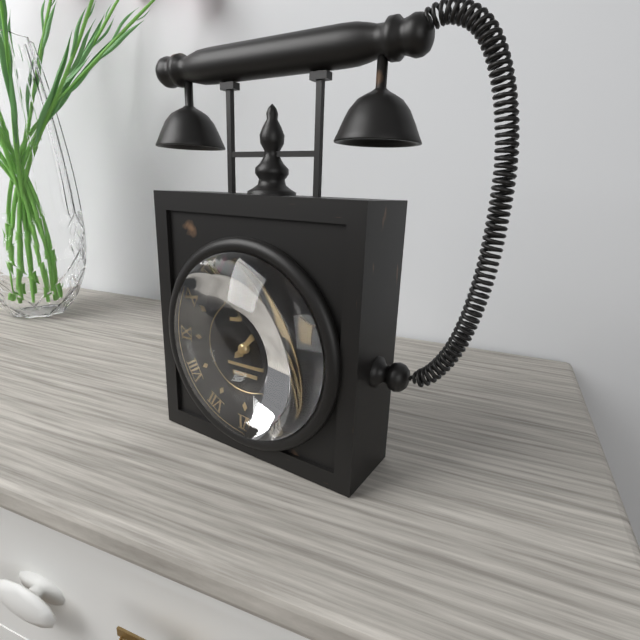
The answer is 1:07
